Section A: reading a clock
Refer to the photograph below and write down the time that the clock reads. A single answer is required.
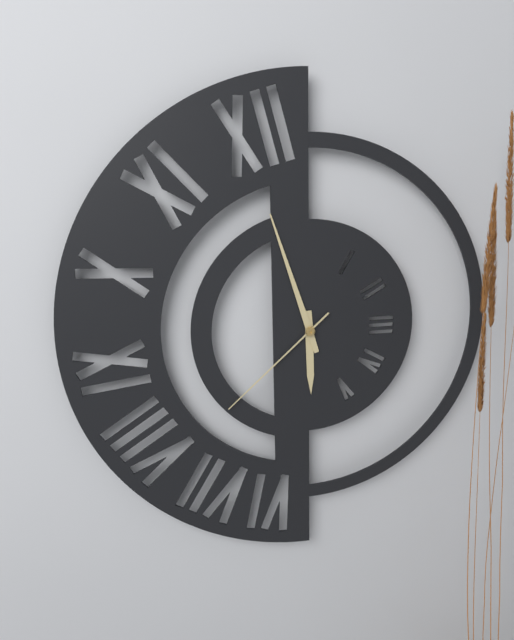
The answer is 5:57:38
